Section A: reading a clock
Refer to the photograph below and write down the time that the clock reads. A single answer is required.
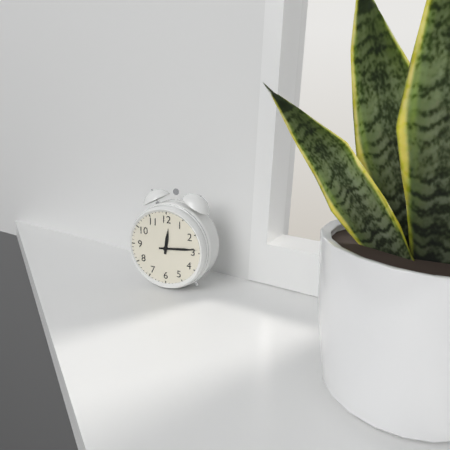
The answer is 12:14
